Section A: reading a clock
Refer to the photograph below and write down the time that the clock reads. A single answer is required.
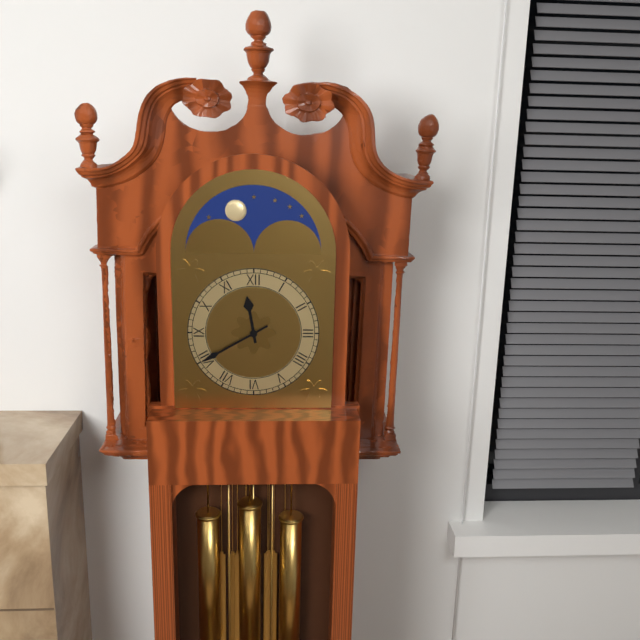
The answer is 11:40
